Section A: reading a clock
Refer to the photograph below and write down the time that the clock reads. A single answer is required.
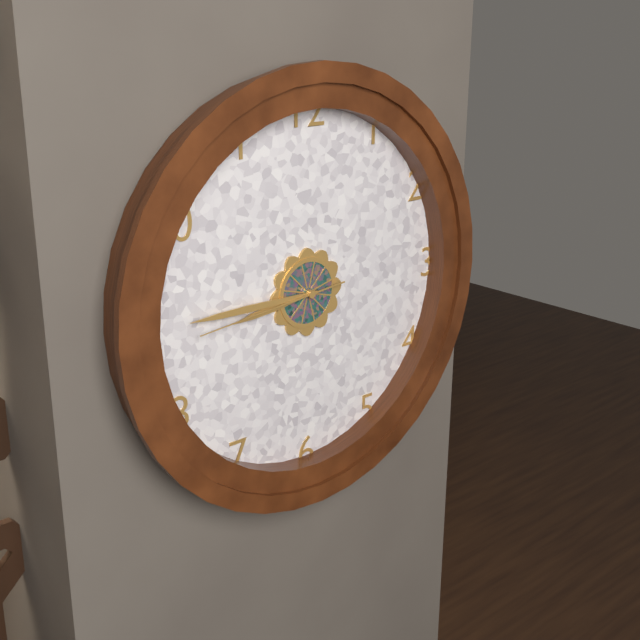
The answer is 8:45:44
